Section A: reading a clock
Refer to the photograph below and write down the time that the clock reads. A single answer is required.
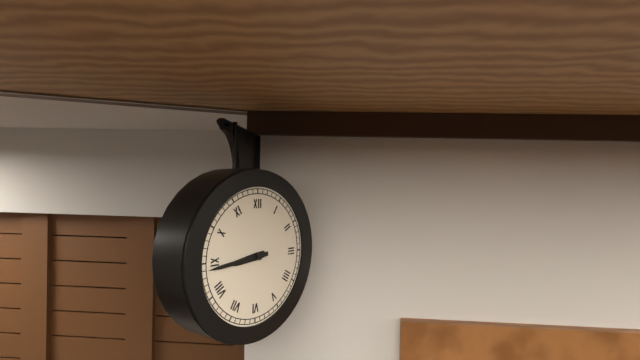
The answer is 8:44
